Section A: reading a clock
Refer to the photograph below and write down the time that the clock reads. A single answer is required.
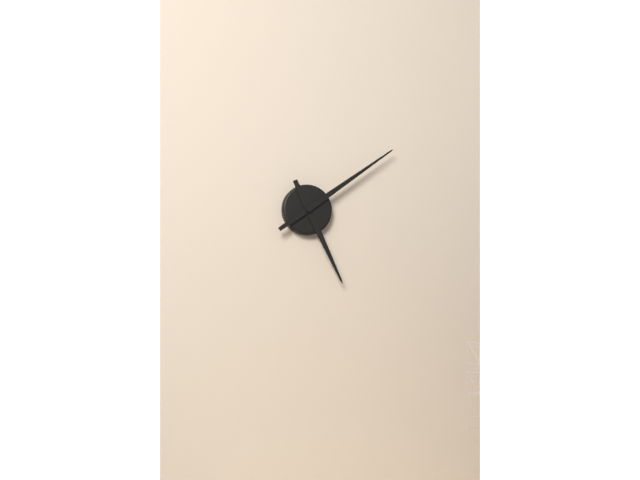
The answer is 5:09
